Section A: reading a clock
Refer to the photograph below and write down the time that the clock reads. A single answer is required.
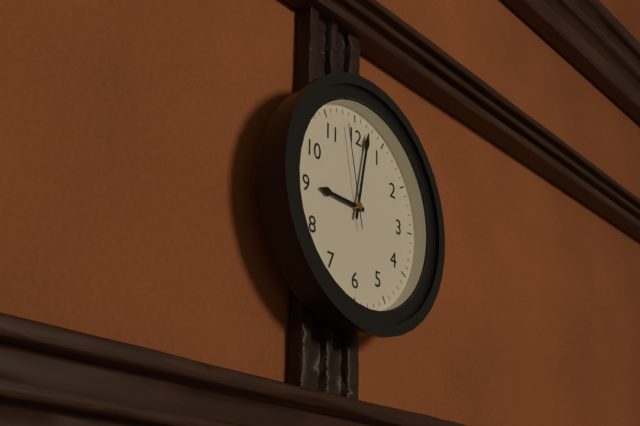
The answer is 9:02:58
